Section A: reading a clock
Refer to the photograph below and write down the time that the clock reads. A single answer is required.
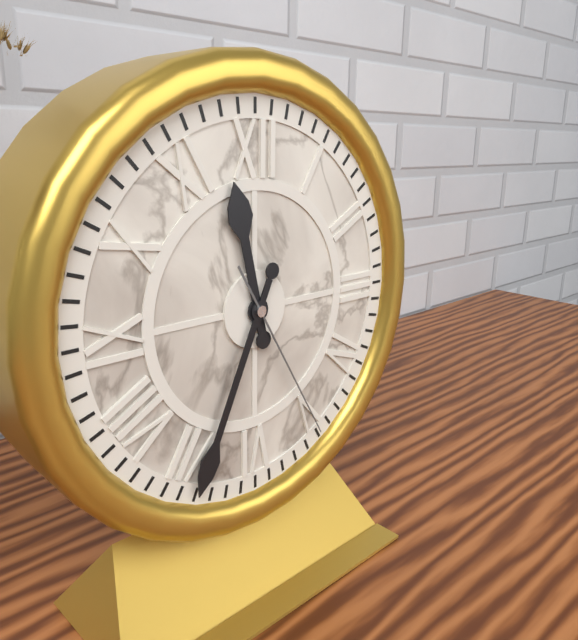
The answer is 11:34:25
